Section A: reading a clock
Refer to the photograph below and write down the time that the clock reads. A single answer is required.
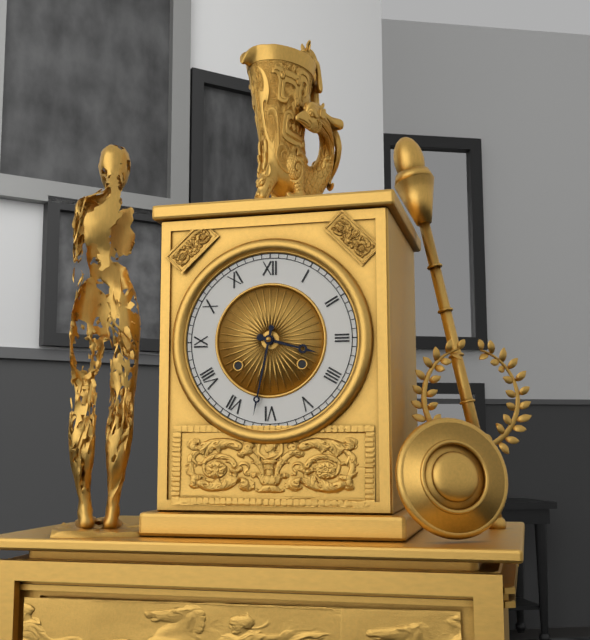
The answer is 3:32
